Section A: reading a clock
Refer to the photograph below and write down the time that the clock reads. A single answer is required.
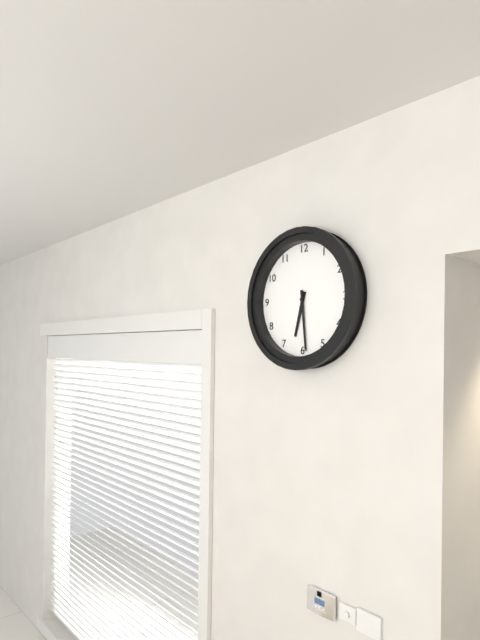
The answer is 6:29
